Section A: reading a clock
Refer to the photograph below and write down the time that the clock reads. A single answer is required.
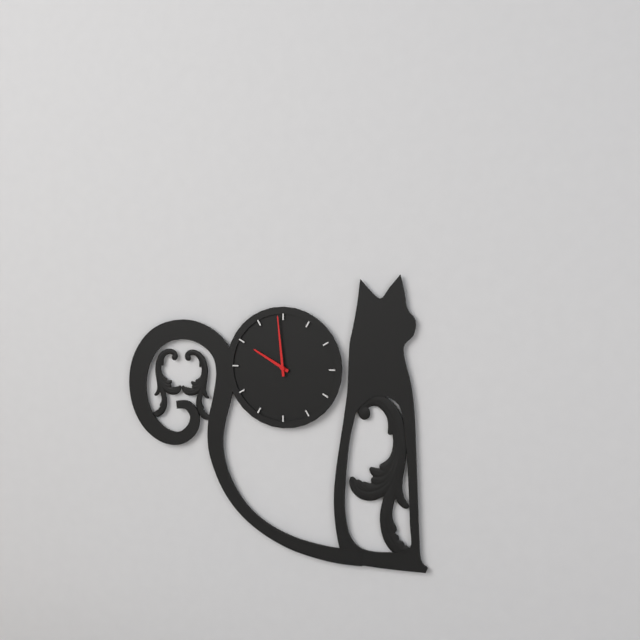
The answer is 9:59
